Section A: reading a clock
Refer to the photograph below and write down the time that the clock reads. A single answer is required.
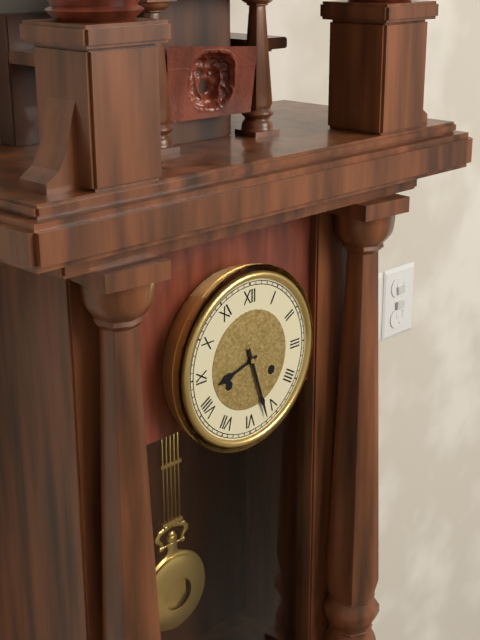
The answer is 8:27
